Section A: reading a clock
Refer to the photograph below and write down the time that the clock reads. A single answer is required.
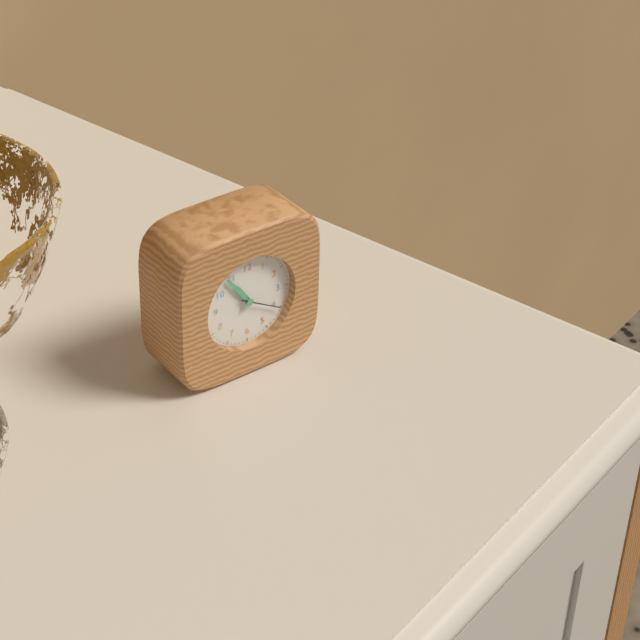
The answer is 10:54
